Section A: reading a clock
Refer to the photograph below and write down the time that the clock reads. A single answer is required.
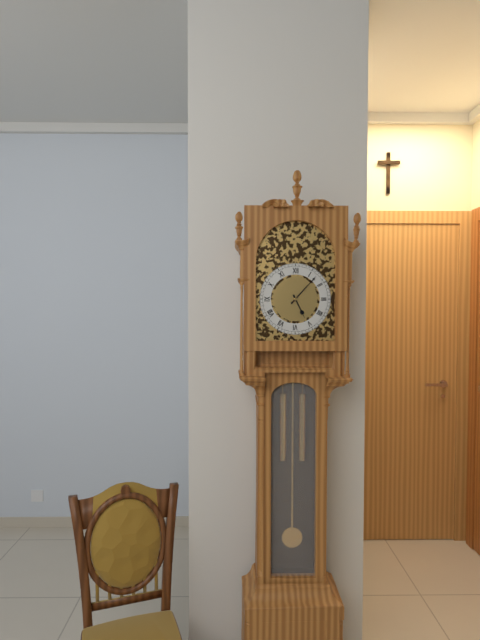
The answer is 5:07
